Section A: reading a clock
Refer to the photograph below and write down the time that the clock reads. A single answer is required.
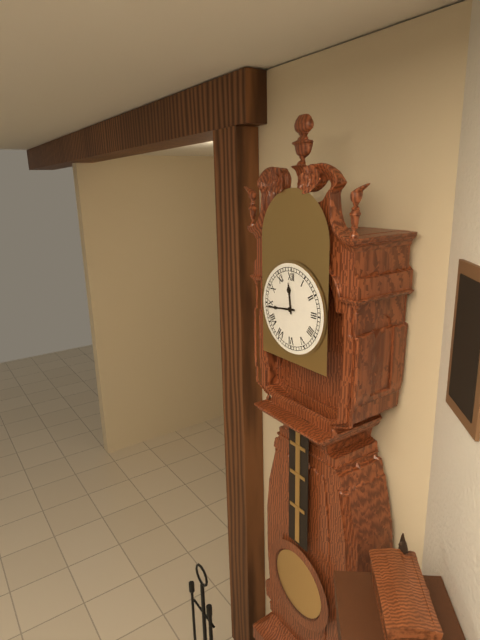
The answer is 11:44
